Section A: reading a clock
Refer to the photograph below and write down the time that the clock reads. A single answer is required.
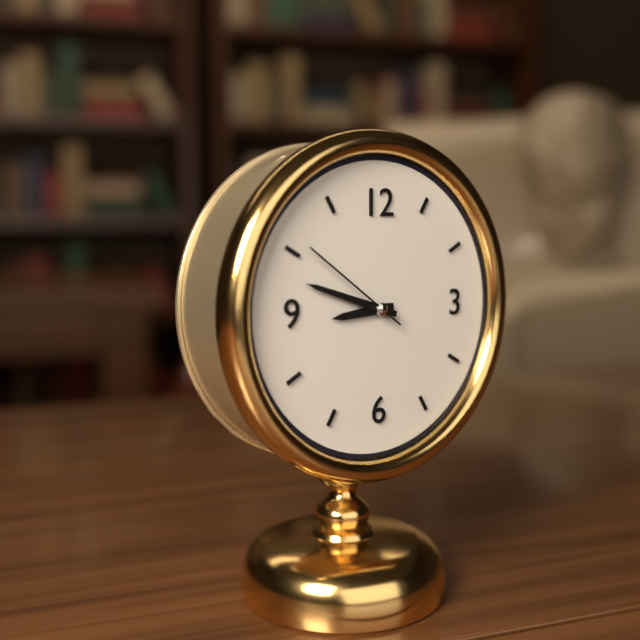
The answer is 8:48:51
